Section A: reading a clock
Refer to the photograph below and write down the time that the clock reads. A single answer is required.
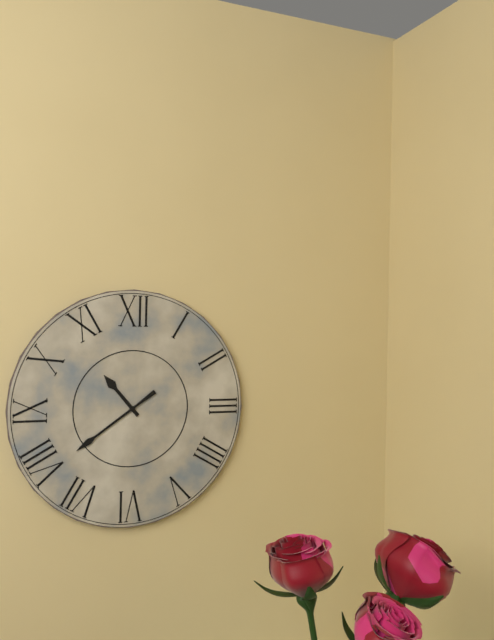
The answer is 10:39
